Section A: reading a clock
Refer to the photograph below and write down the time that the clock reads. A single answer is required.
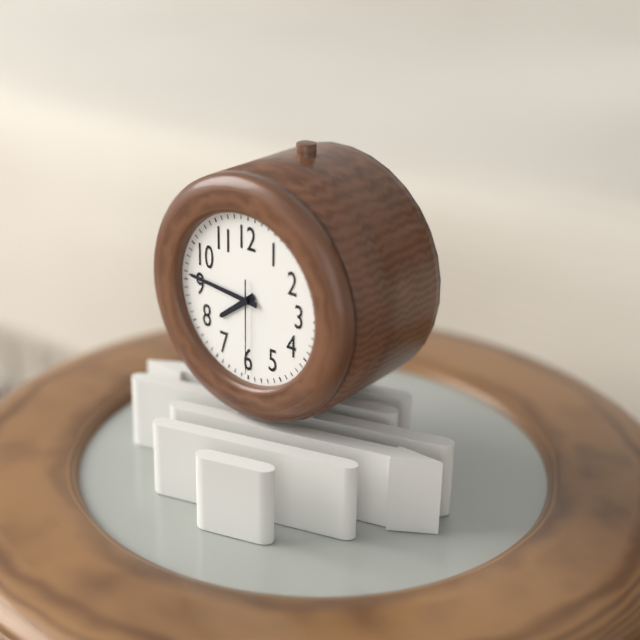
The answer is 7:46:30
